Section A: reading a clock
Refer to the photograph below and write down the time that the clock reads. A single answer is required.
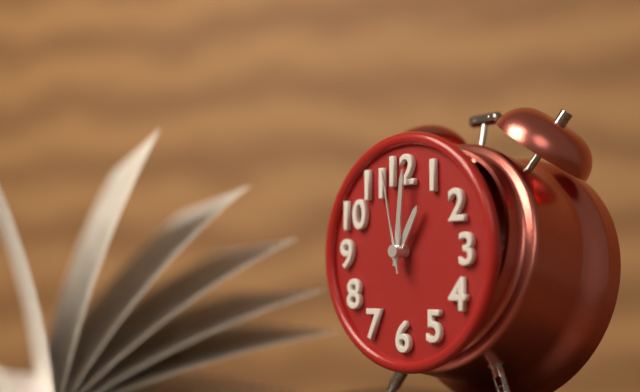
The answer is 1:01:58
